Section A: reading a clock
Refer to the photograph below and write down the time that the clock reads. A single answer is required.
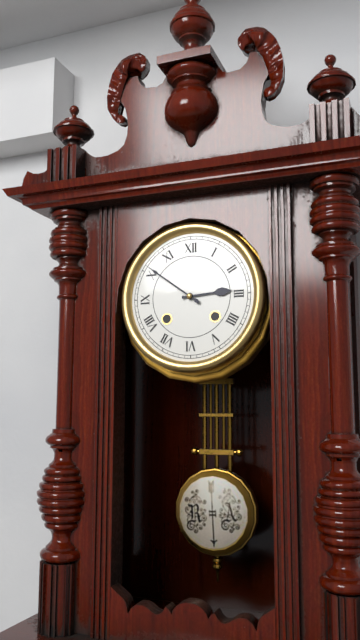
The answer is 2:51
